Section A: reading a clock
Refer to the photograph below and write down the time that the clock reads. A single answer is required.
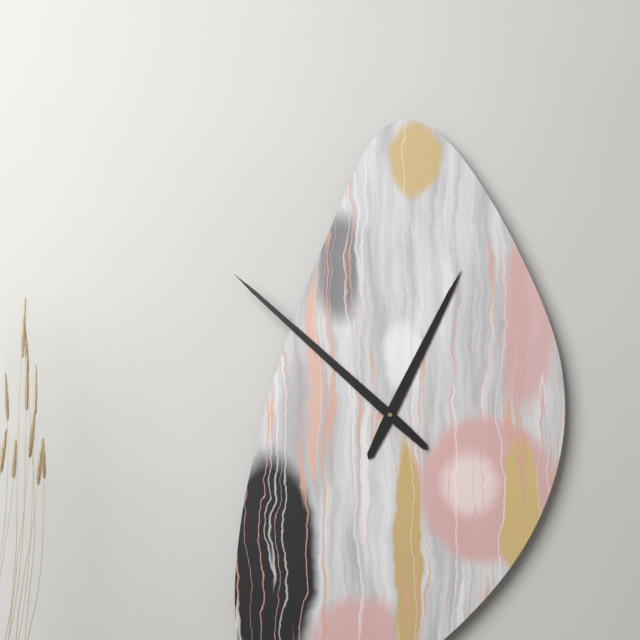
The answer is 12:52
